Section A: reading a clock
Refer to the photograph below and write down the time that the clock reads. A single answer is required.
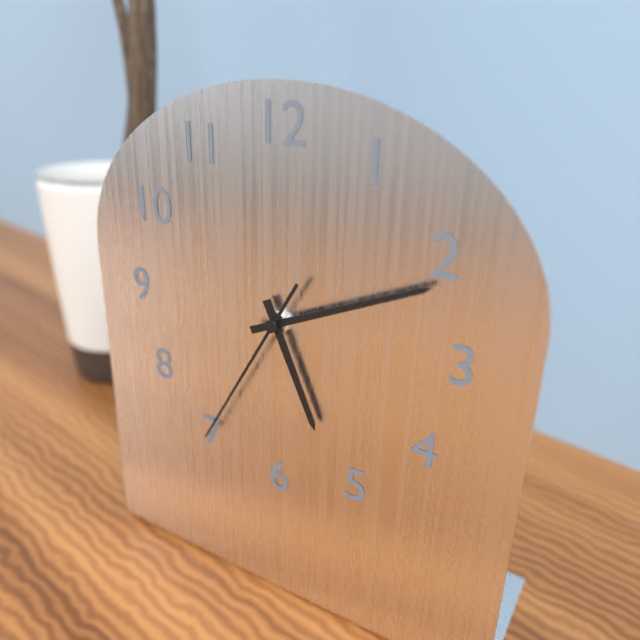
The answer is 5:11:35
